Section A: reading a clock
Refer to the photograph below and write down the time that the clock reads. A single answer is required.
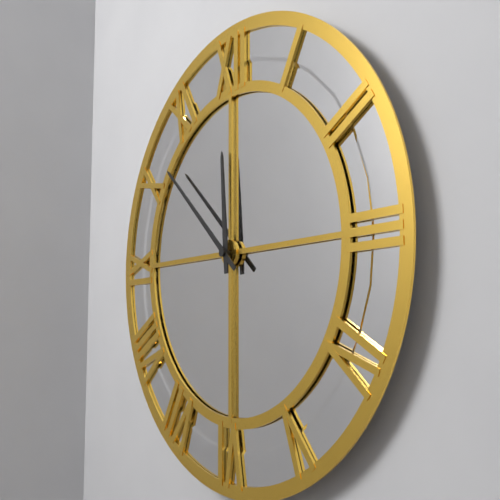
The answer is 11:52
